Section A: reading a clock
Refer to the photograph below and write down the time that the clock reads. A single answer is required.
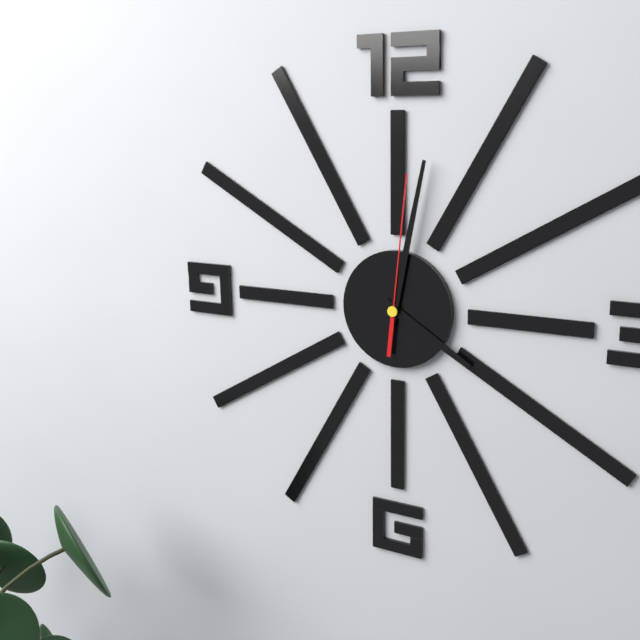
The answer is 4:02:01
